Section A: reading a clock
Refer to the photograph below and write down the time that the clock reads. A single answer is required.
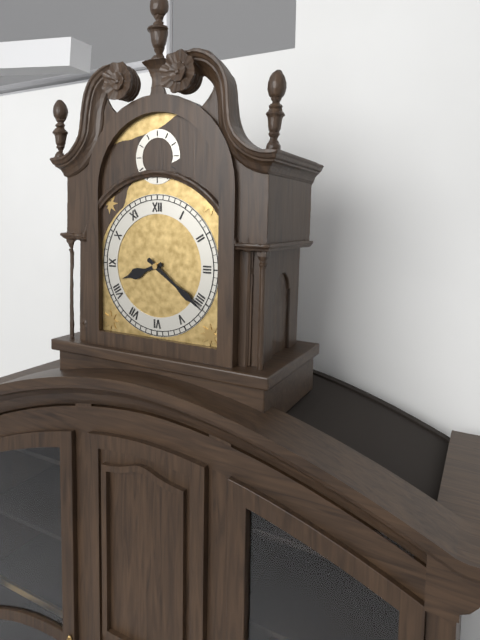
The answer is 8:21
